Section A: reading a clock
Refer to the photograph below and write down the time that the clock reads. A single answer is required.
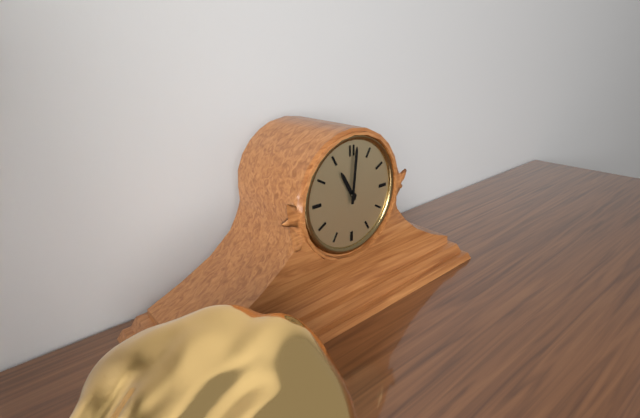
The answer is 11:01
